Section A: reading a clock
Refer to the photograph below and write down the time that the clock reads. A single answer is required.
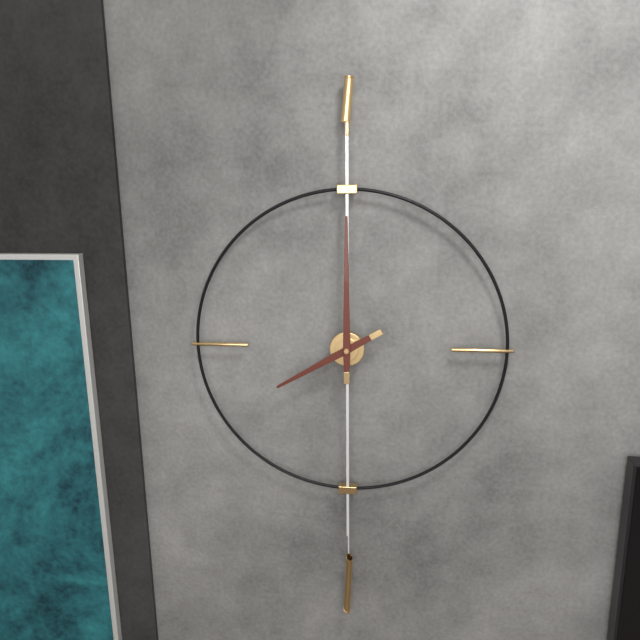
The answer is 8:00
